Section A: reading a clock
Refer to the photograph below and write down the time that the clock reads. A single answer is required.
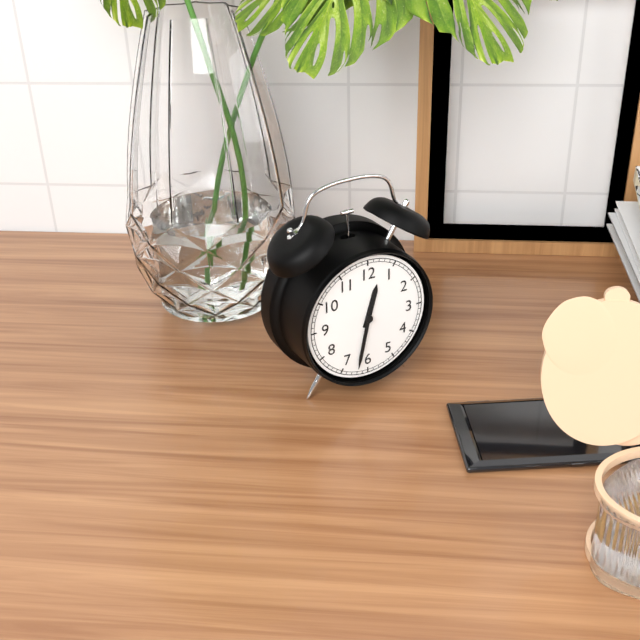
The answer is 12:32
